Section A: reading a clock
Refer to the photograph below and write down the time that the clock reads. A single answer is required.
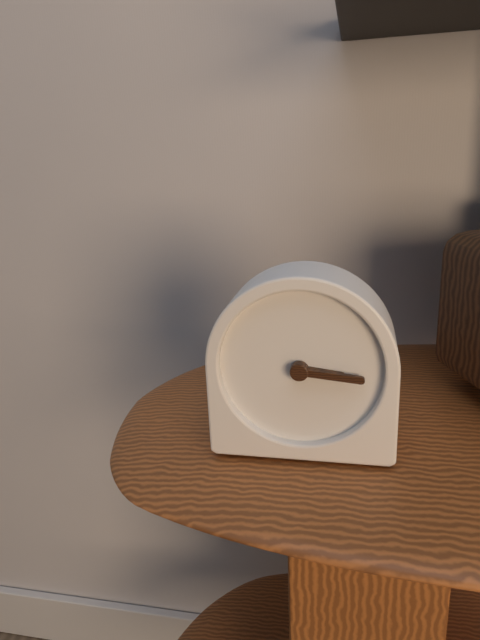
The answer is 3:16
